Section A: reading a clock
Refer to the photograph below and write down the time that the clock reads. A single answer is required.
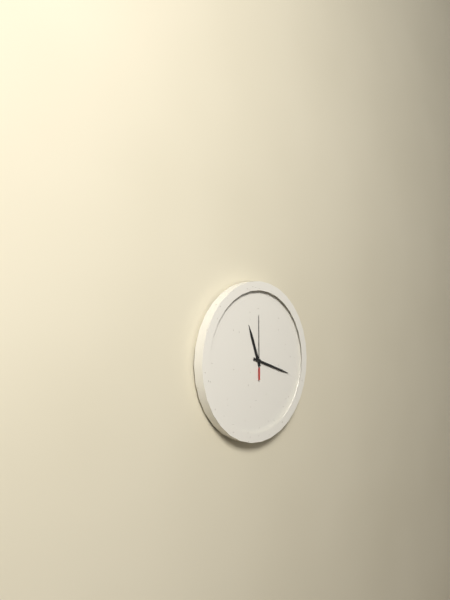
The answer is 11:18:00
